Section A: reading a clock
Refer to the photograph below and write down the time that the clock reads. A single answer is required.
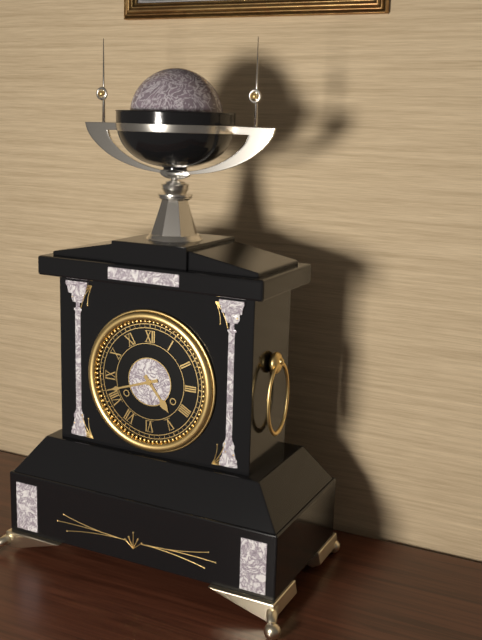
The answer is 4:42
